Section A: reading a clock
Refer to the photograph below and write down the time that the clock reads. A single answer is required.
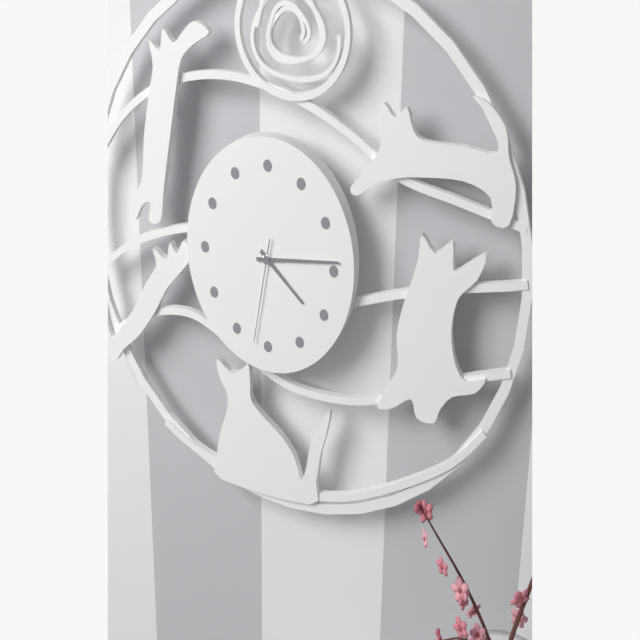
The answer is 4:14:32
